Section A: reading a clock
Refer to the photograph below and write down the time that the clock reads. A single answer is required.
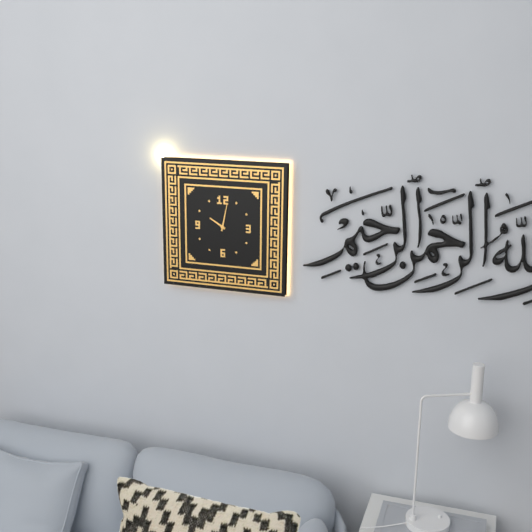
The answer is 10:02
